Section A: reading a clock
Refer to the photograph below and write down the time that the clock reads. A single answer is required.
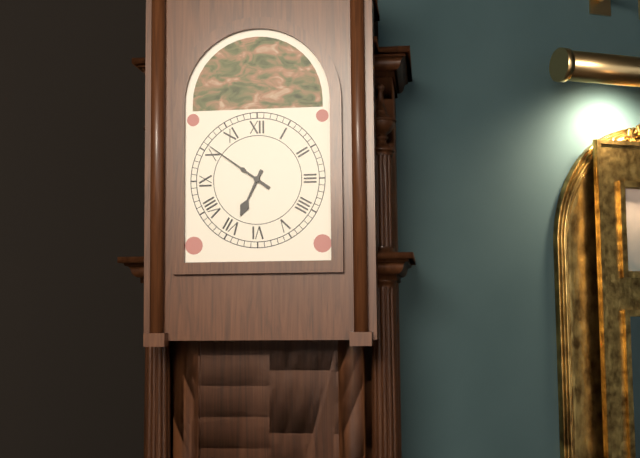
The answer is 6:51
